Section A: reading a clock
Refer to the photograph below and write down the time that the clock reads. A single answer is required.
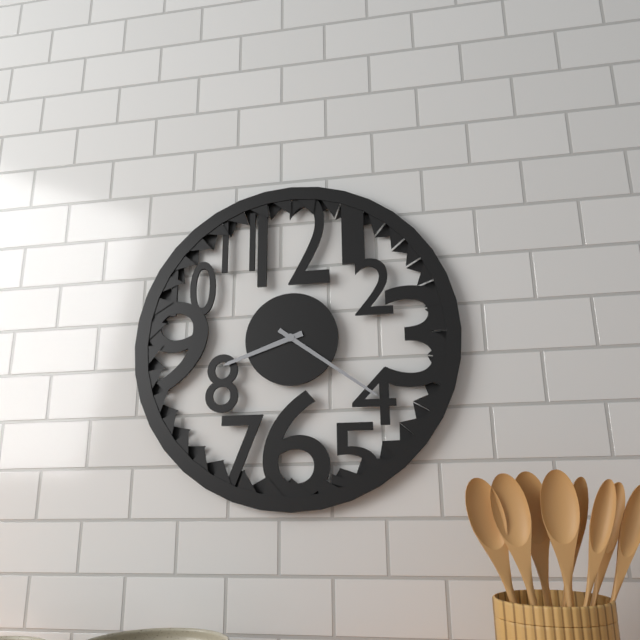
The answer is 8:21
